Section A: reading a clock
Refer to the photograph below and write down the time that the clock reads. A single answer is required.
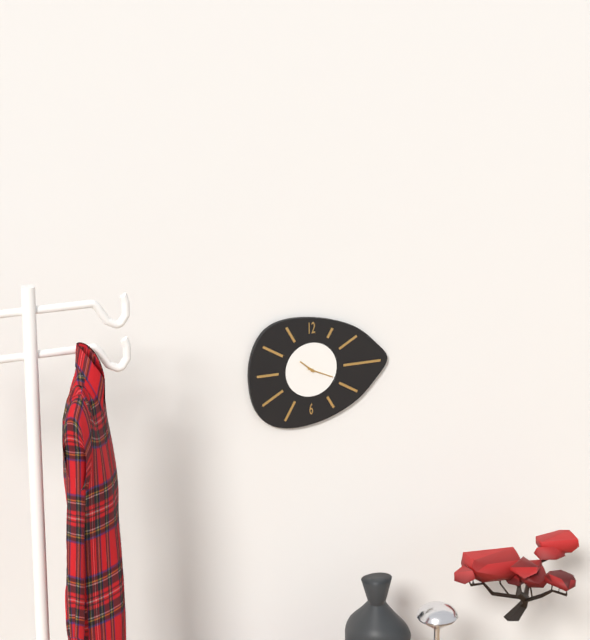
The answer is 10:19
